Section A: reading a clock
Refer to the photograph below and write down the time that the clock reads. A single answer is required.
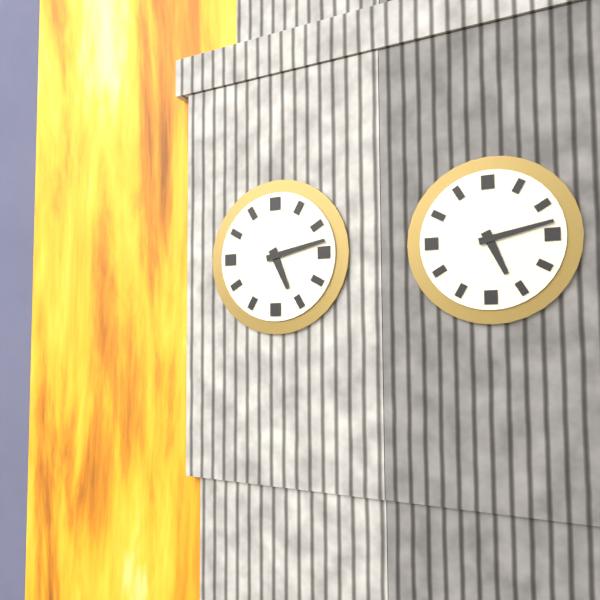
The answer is 5:13
